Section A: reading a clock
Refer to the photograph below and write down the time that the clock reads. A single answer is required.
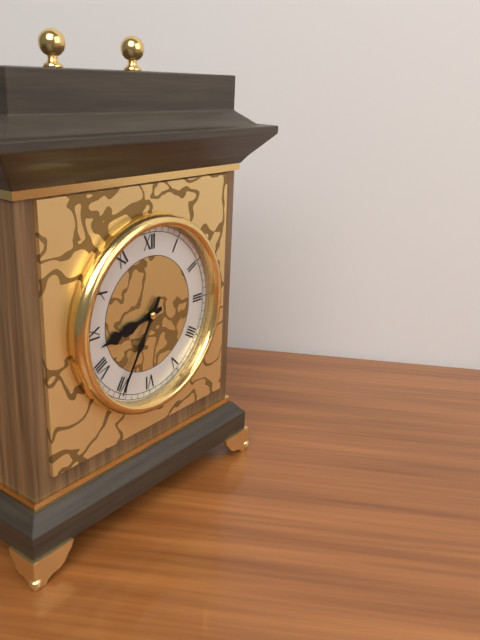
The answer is 8:35
